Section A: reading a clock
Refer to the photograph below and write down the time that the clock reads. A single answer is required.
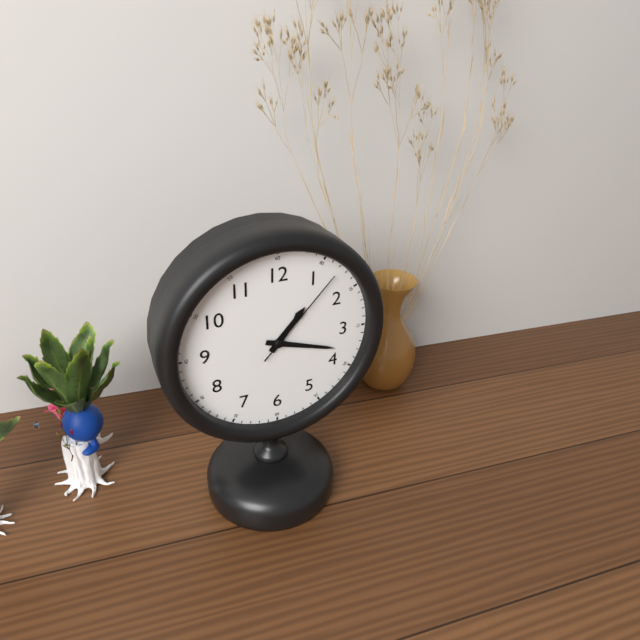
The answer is 1:18:07
